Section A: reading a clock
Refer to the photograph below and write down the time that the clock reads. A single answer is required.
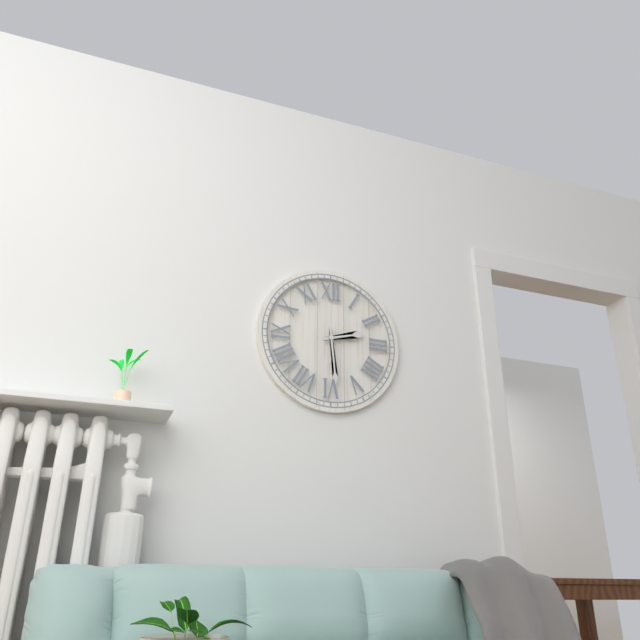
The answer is 2:29
